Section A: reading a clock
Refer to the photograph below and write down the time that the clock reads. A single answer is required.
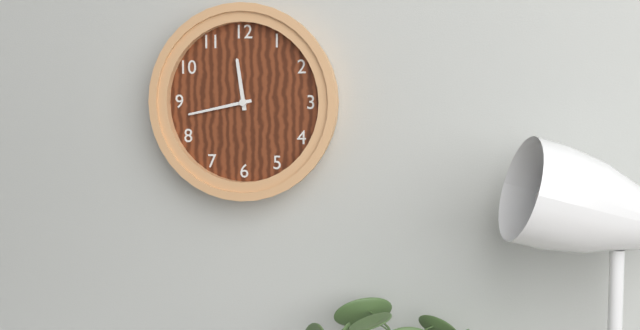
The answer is 11:43
